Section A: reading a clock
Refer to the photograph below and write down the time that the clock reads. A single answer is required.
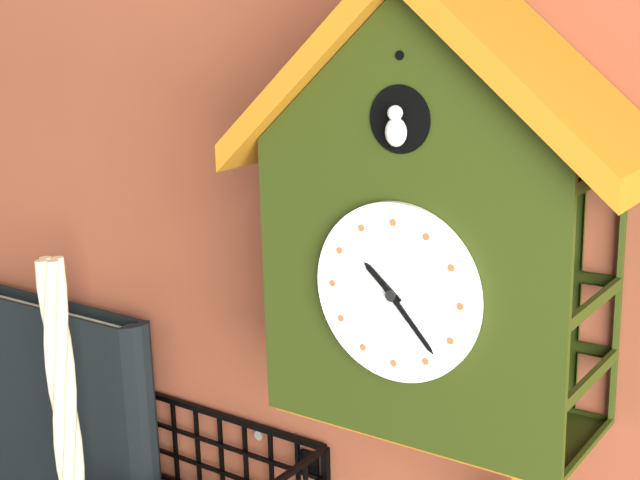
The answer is 10:23
